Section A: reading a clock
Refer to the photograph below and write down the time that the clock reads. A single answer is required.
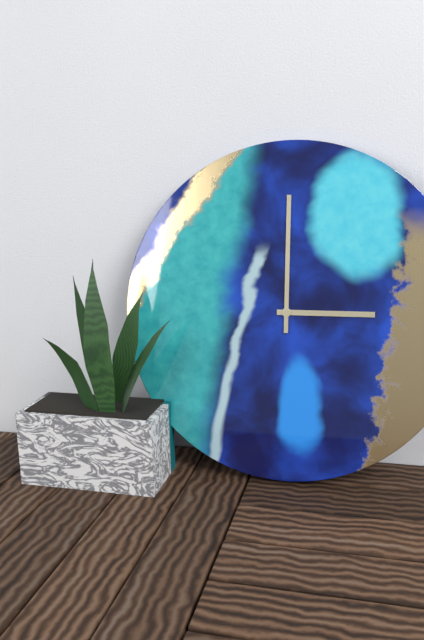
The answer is 3:00
